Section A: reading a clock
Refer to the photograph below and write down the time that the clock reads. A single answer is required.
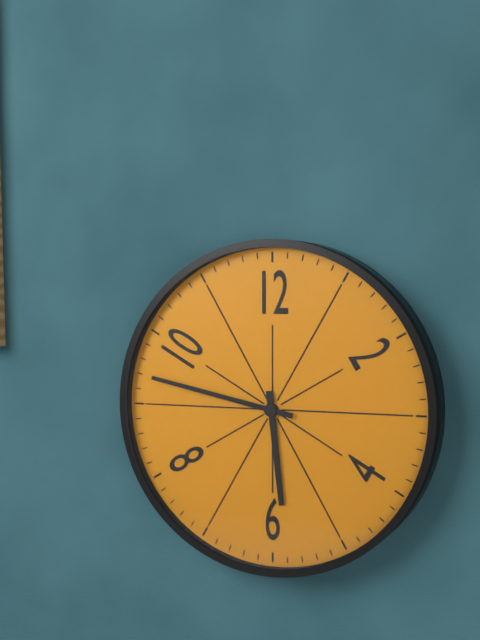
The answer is 5:47
